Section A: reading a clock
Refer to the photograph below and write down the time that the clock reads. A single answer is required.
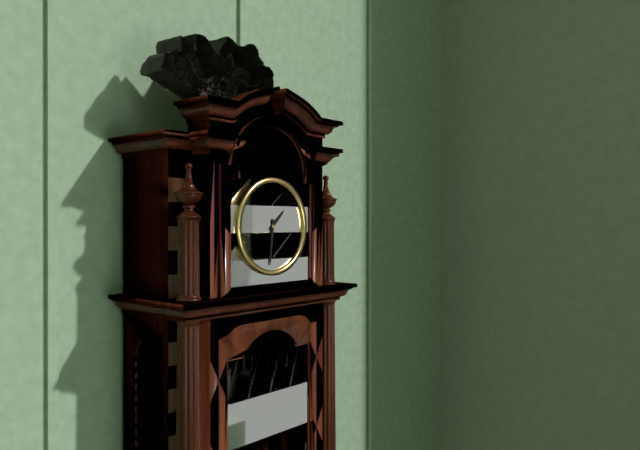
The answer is 1:31
